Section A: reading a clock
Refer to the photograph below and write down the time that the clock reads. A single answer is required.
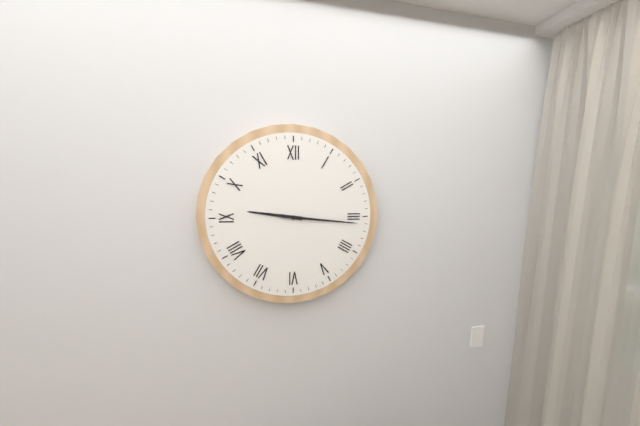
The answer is 9:16
